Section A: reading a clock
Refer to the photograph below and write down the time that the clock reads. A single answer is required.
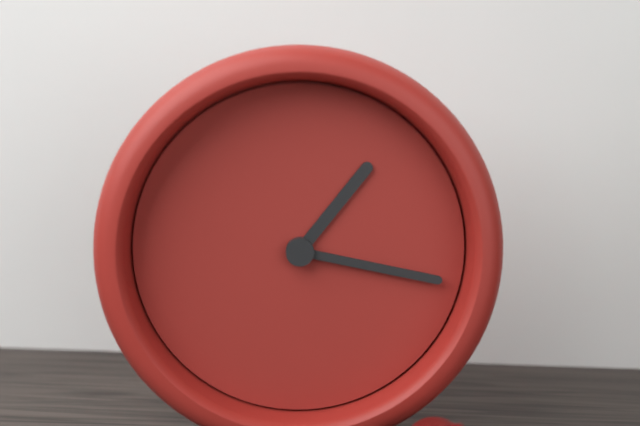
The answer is 1:17
